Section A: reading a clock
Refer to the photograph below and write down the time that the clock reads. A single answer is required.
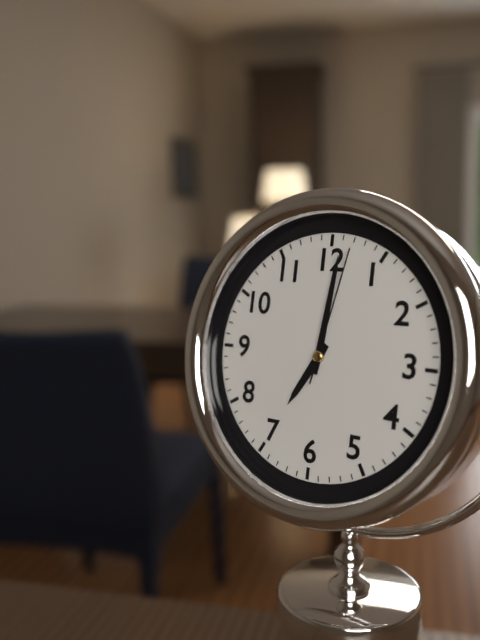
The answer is 7:01:02
